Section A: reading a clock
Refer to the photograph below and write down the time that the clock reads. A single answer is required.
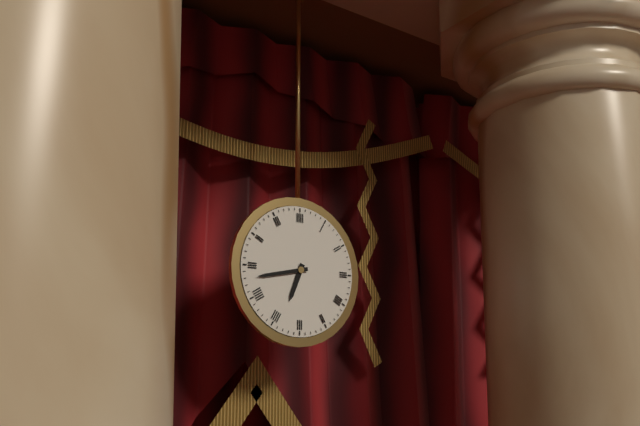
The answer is 6:43
